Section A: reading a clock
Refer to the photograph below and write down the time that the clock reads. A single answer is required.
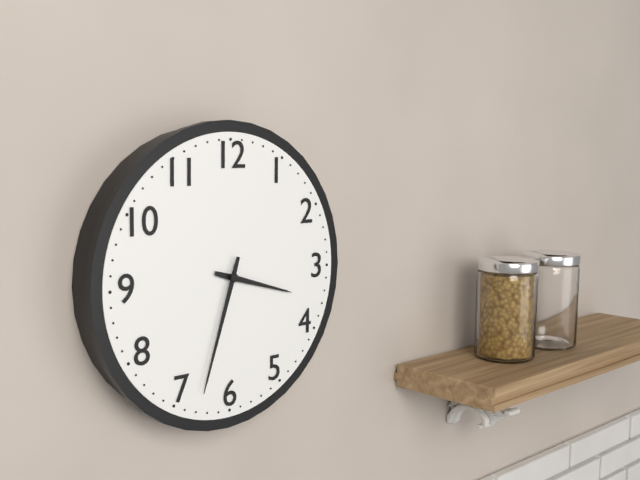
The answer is 3:33
